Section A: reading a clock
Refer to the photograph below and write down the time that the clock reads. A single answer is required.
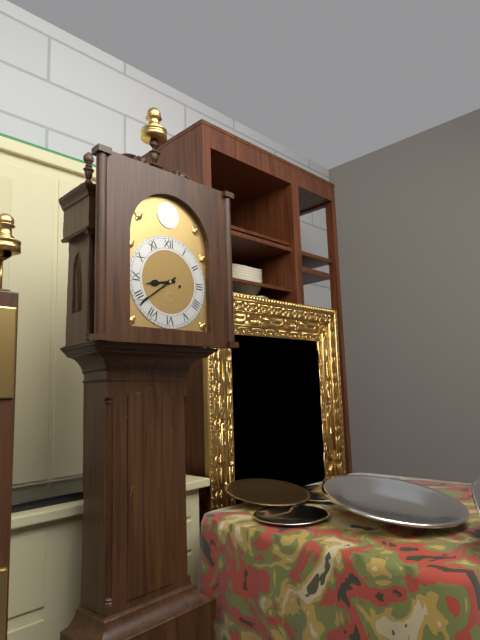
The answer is 8:39
